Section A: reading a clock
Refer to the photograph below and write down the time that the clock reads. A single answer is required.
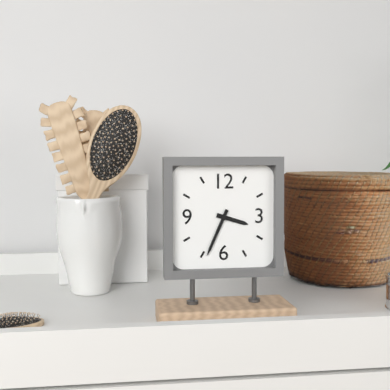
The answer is 3:34
